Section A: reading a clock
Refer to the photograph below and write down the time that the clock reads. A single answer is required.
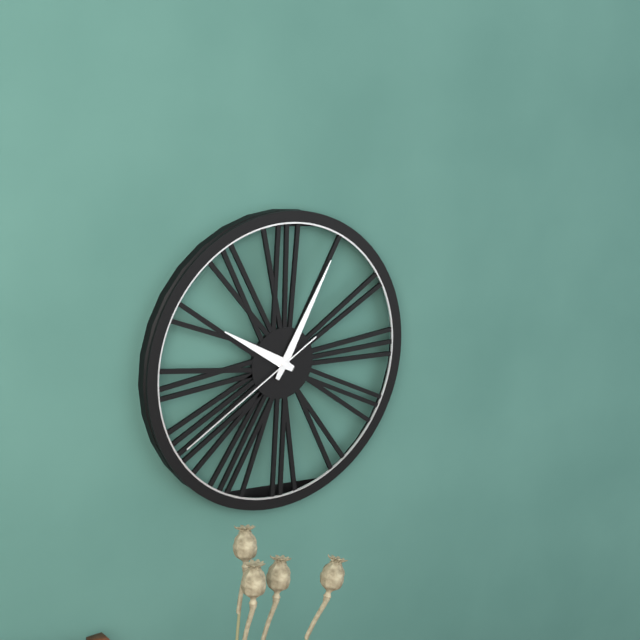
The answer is 10:05:40
